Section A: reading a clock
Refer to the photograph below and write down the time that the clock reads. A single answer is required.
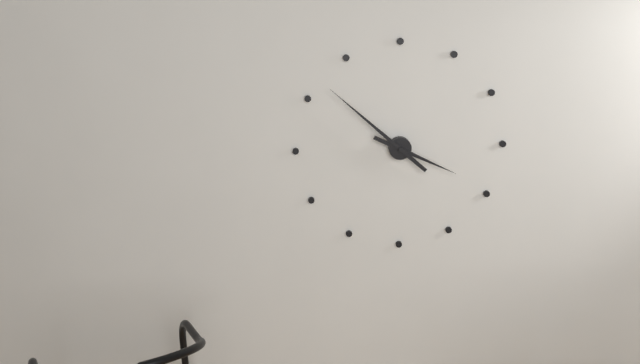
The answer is 3:52
